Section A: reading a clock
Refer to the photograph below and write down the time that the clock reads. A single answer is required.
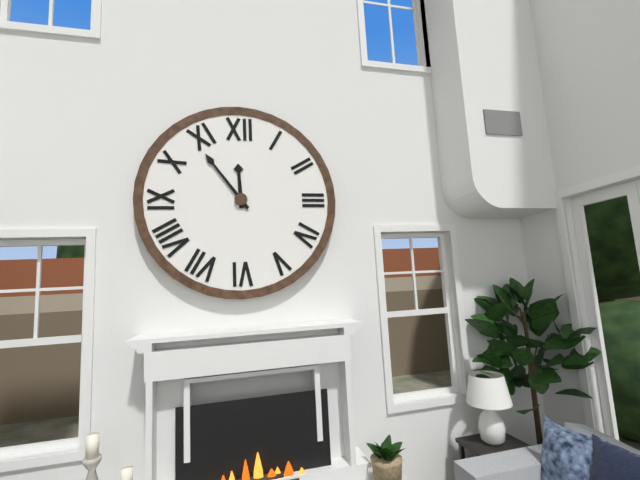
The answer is 11:54
